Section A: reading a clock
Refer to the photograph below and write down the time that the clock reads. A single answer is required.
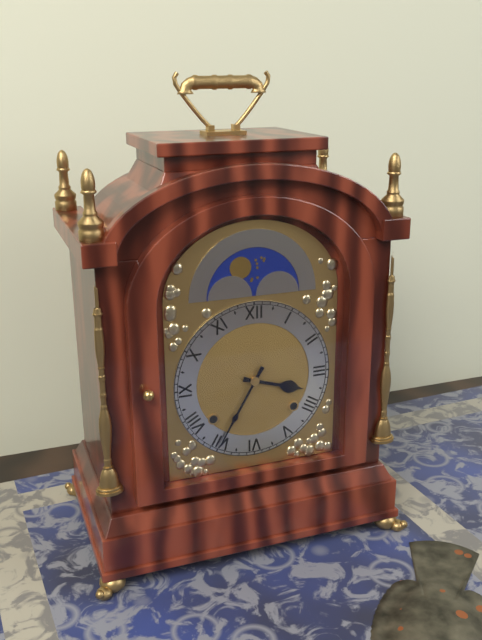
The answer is 3:35
